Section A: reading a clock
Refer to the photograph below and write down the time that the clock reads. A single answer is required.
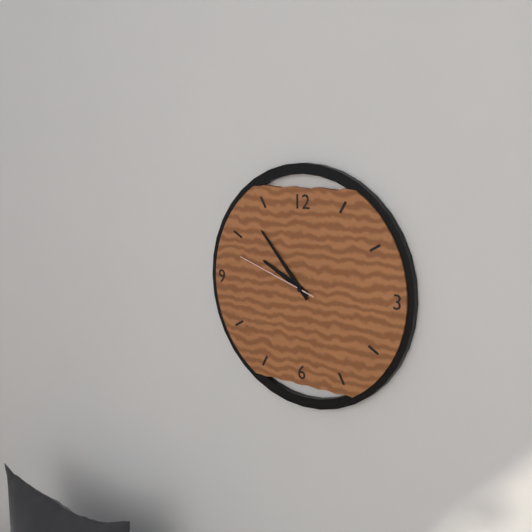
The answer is 9:53:48
